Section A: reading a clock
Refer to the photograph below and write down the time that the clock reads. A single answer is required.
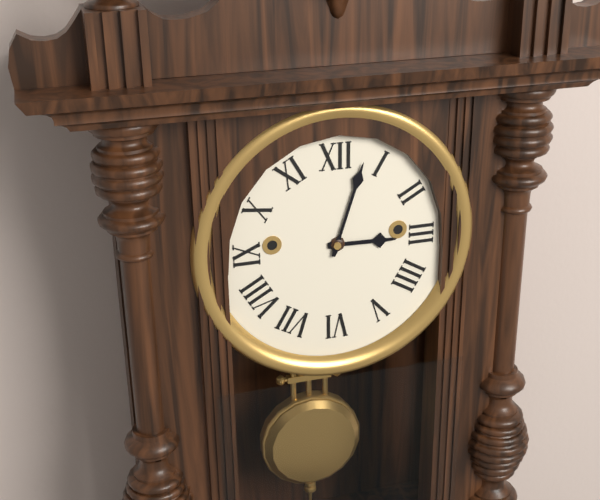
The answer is 3:03
